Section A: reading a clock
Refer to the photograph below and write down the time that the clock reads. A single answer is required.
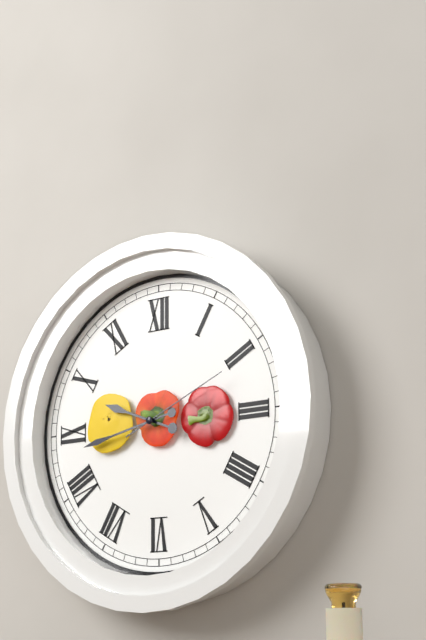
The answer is 9:43:11
